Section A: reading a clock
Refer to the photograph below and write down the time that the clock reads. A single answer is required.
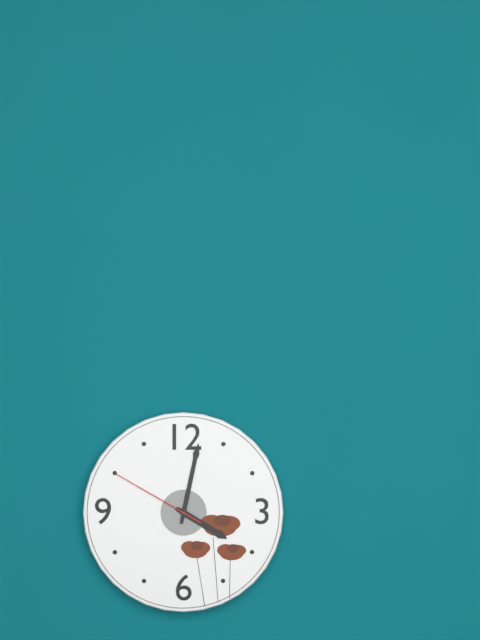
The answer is 4:02:50
